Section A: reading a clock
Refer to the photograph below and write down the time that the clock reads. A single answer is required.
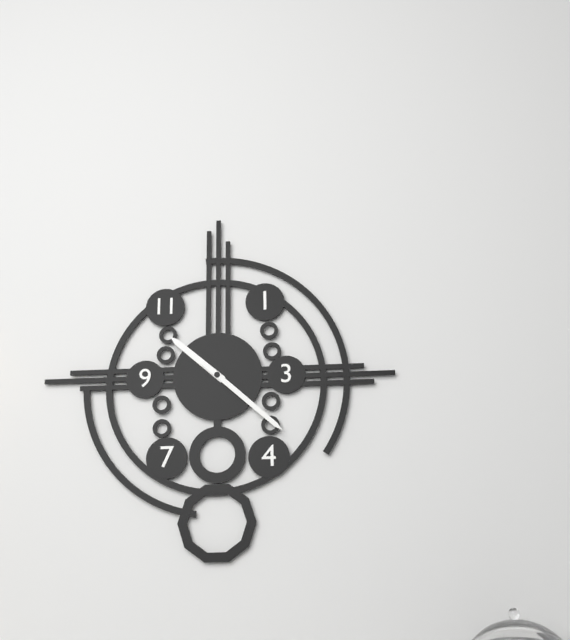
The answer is 10:22
